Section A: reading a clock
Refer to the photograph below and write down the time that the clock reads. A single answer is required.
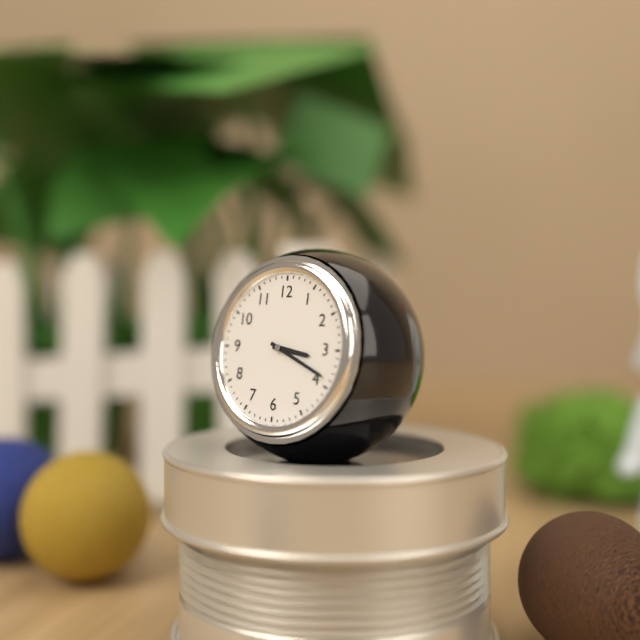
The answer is 3:19
